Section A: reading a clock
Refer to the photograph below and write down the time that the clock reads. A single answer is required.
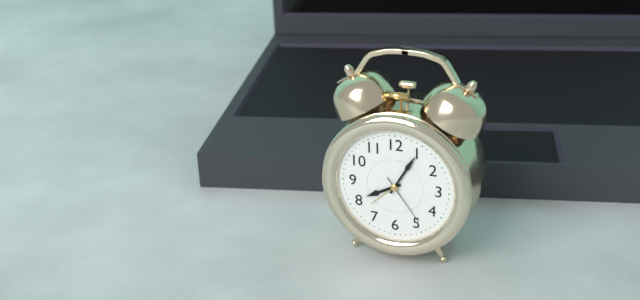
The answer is 8:05:24
